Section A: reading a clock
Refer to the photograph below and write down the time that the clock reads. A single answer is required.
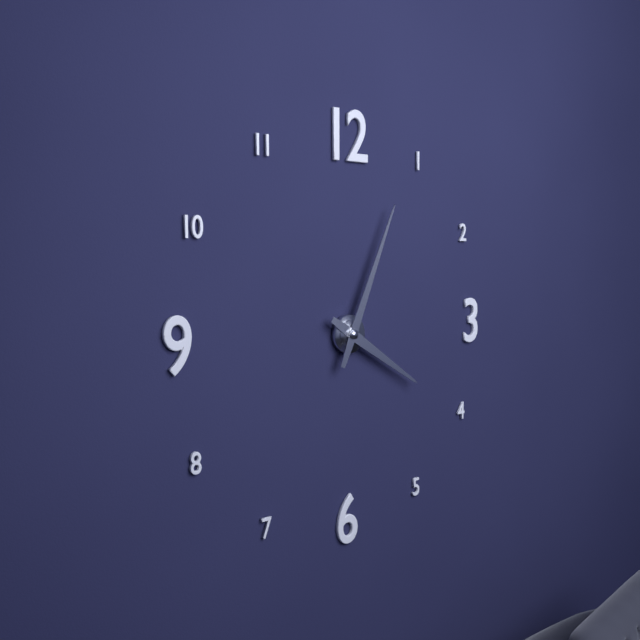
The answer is 4:04
